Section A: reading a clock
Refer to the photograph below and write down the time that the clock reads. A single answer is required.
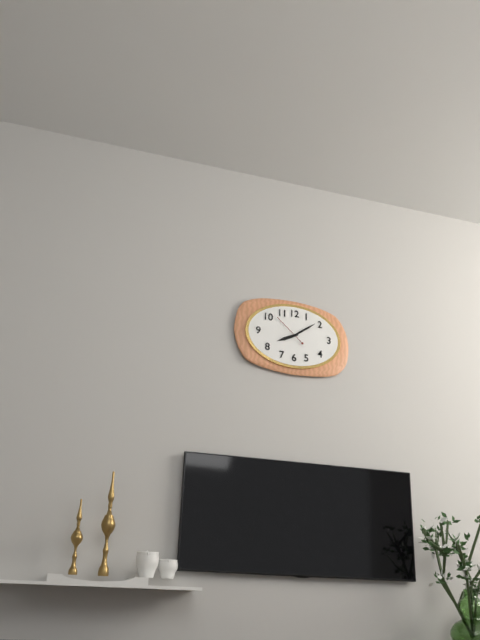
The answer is 8:09
